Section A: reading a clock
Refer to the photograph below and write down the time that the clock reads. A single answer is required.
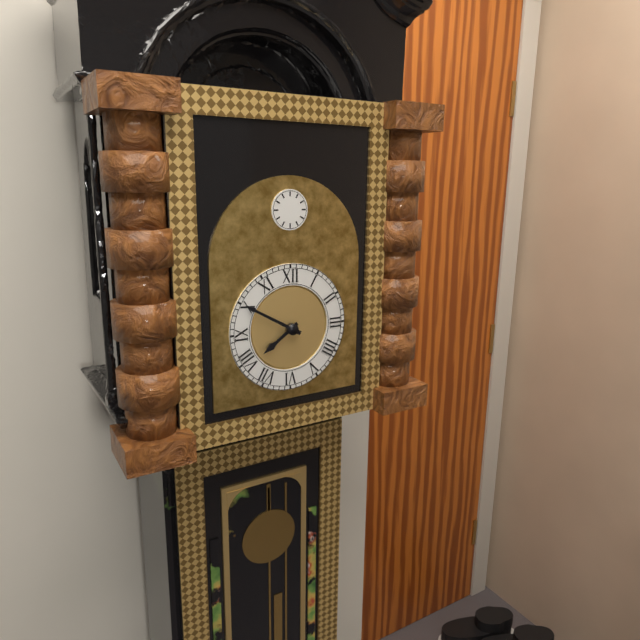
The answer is 7:50
